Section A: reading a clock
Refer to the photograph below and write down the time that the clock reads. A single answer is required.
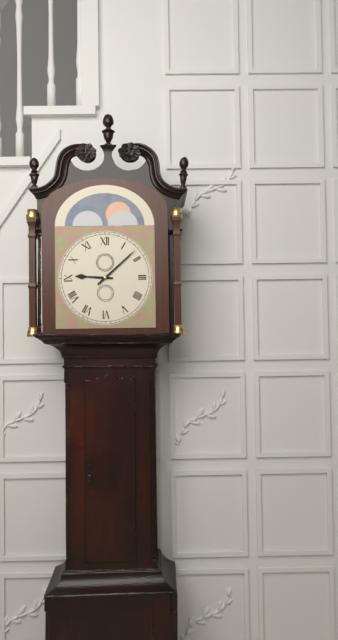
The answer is 9:08
